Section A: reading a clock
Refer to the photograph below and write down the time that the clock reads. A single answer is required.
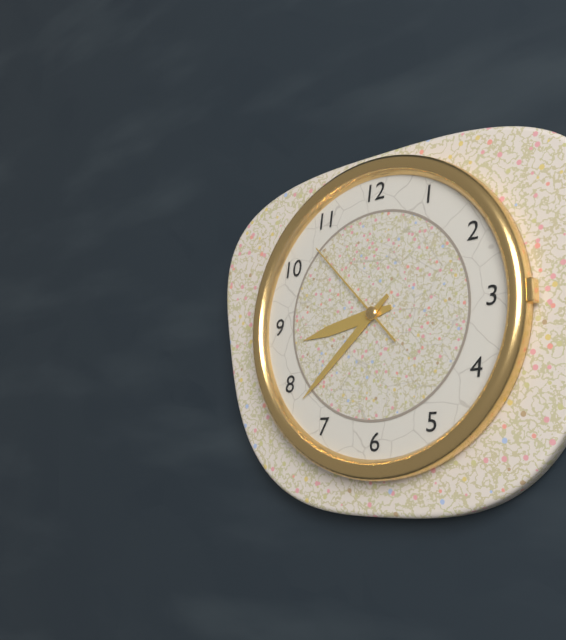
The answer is 8:38:53
